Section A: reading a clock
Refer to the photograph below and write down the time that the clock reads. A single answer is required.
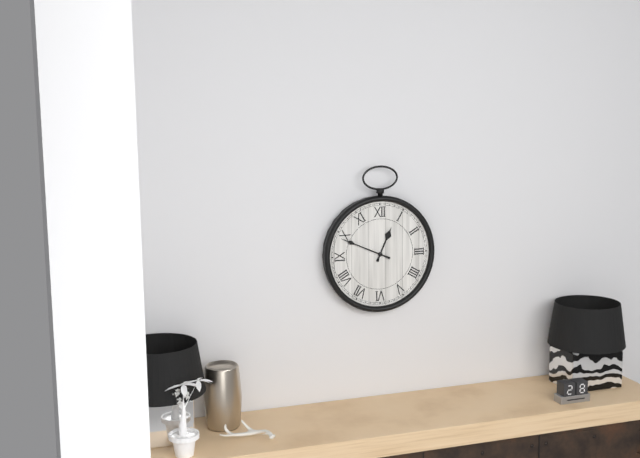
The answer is 12:49
